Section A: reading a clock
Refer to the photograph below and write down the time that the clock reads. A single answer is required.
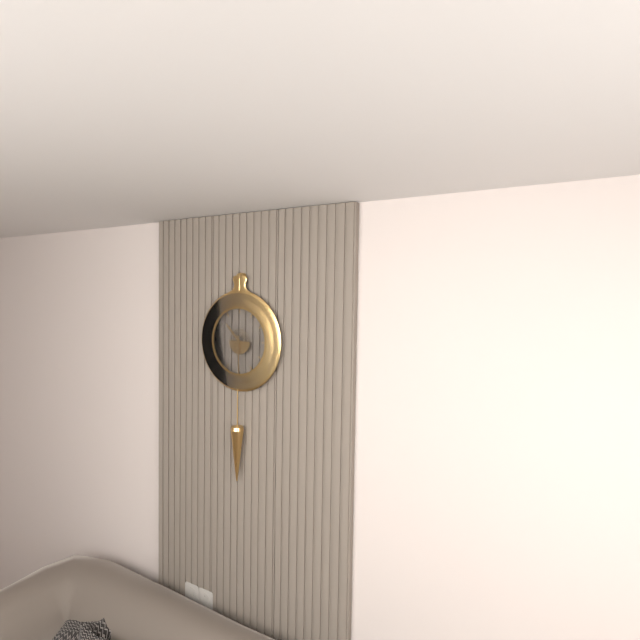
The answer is 10:30
